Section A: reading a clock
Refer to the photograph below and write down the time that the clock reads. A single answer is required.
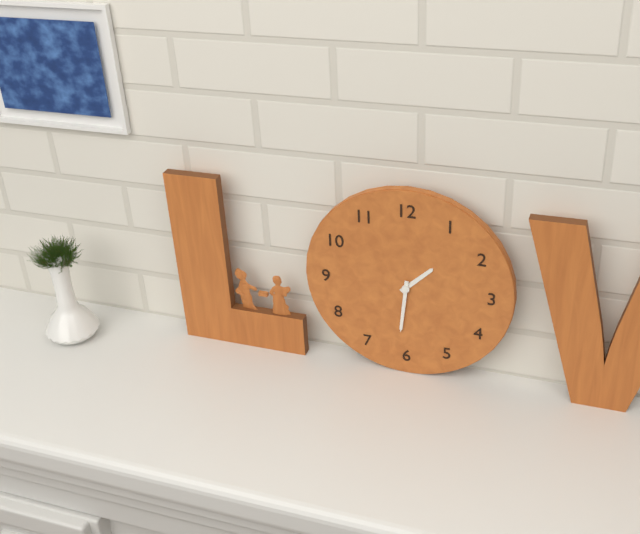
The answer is 1:31
